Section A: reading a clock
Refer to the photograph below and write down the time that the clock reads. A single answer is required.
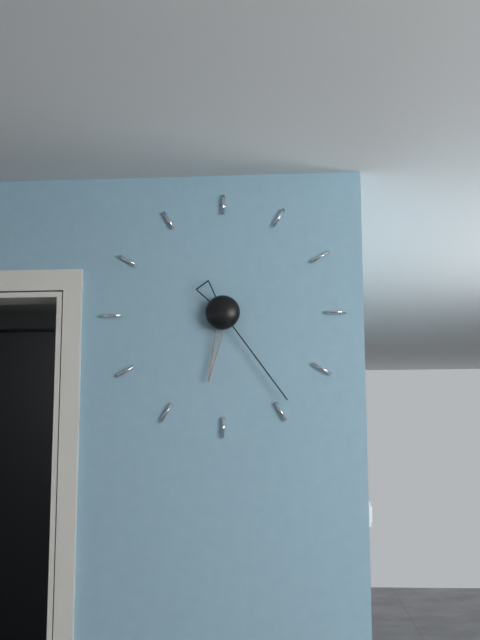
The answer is 6:24
